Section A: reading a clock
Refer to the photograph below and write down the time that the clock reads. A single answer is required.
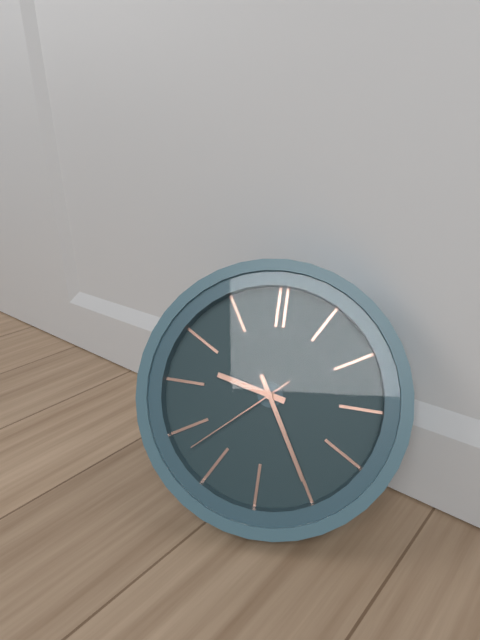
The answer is 9:25:38
